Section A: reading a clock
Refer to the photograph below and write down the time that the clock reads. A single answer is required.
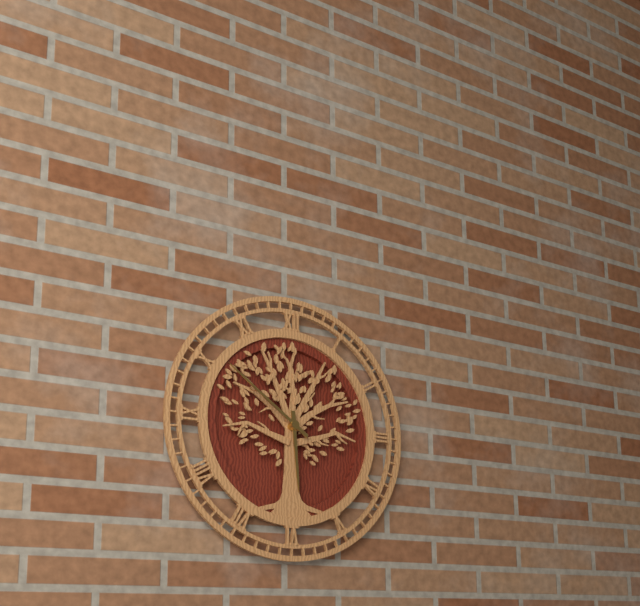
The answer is 5:51
